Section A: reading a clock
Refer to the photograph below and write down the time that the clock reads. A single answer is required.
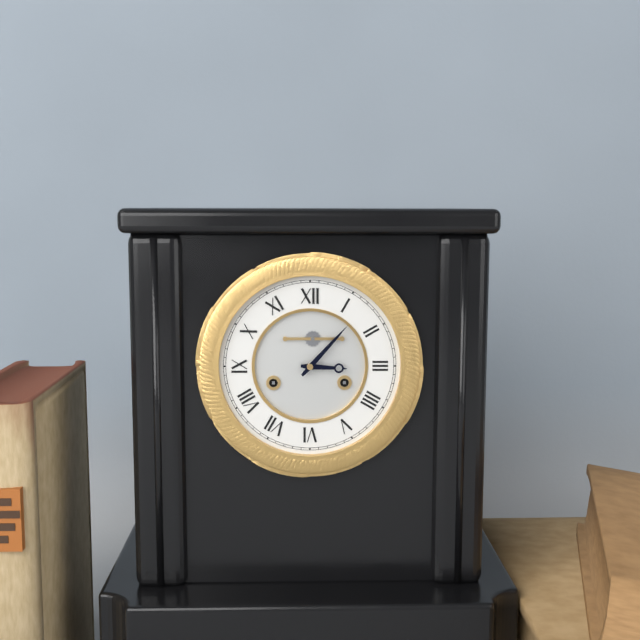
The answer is 3:07
